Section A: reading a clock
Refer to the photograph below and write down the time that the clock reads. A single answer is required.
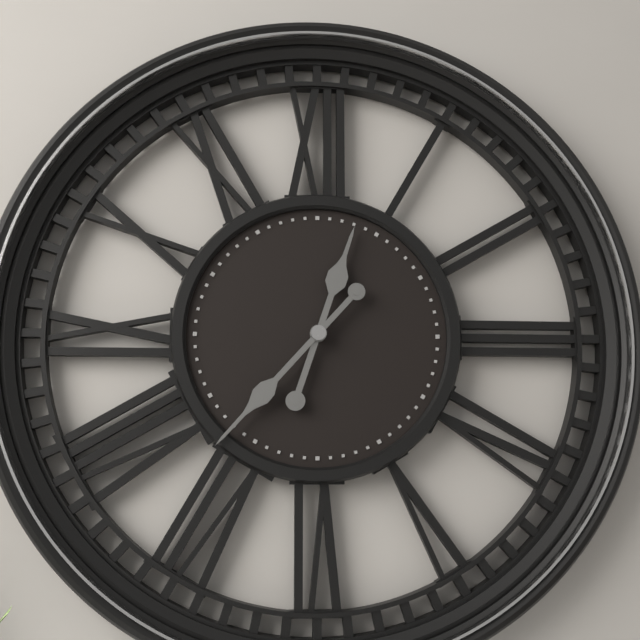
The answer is 12:37
